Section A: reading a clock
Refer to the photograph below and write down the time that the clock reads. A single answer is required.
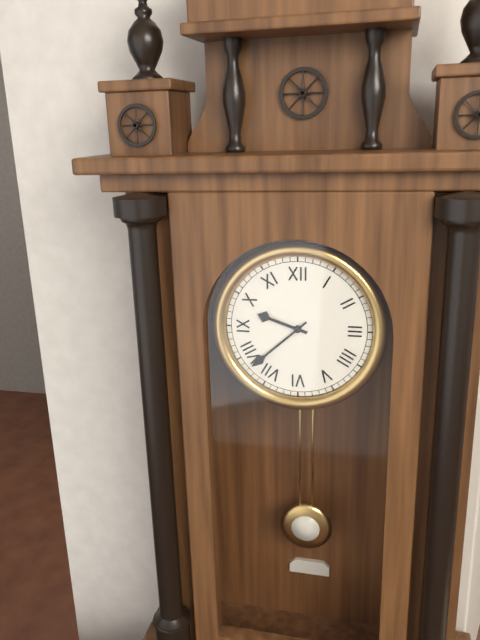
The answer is 9:38
